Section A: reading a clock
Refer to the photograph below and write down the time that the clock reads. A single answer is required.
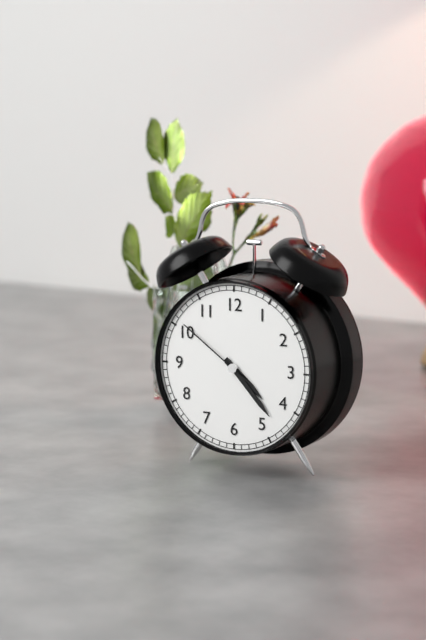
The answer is 4:23:51
